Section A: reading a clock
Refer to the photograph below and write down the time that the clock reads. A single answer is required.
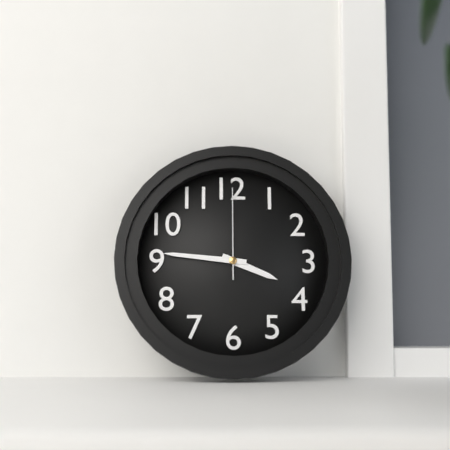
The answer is 3:46:00
